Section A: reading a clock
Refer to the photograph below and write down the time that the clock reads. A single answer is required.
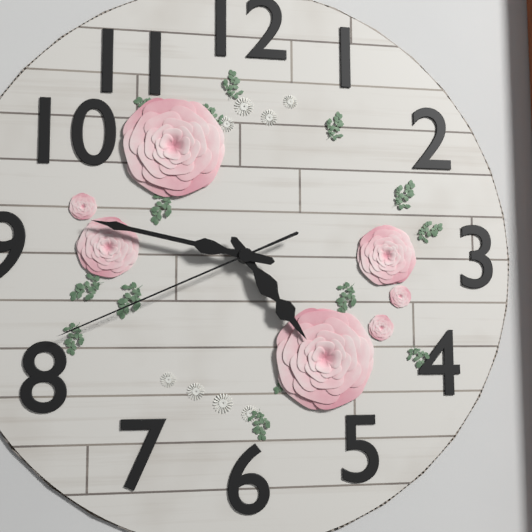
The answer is 4:47:41
